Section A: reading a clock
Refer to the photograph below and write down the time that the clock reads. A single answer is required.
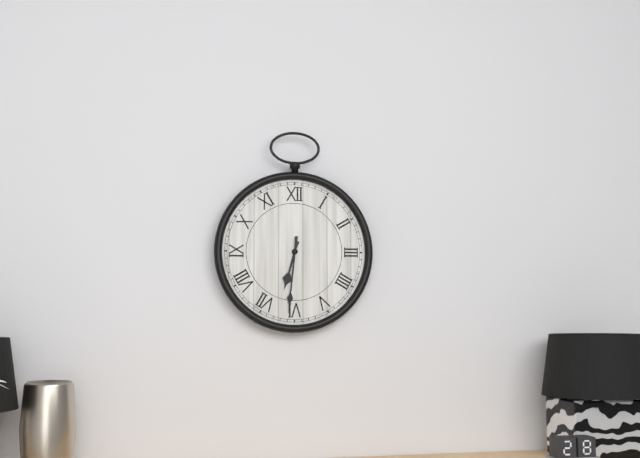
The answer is 6:31
